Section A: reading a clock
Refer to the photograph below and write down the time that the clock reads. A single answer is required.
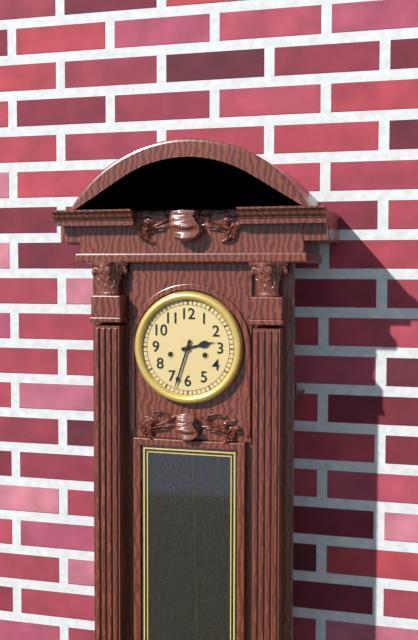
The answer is 2:33
